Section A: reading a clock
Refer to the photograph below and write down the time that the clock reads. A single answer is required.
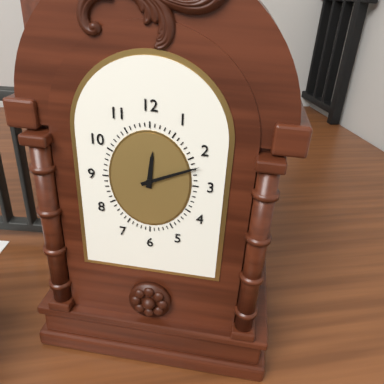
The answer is 12:11
